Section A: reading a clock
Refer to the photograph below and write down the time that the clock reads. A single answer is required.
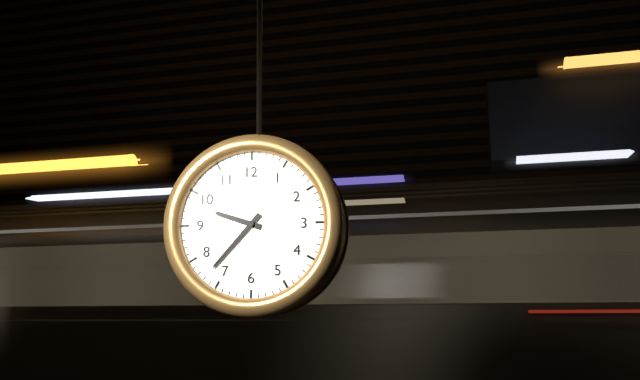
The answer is 9:37
